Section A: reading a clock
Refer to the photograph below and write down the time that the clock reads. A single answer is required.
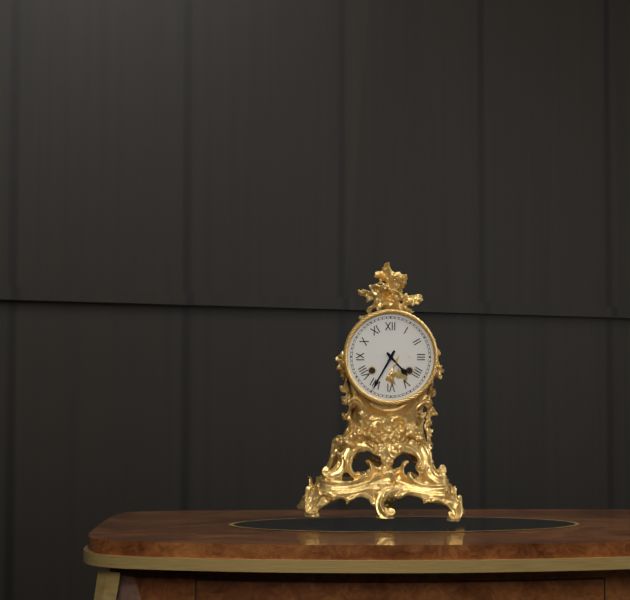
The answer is 4:35
